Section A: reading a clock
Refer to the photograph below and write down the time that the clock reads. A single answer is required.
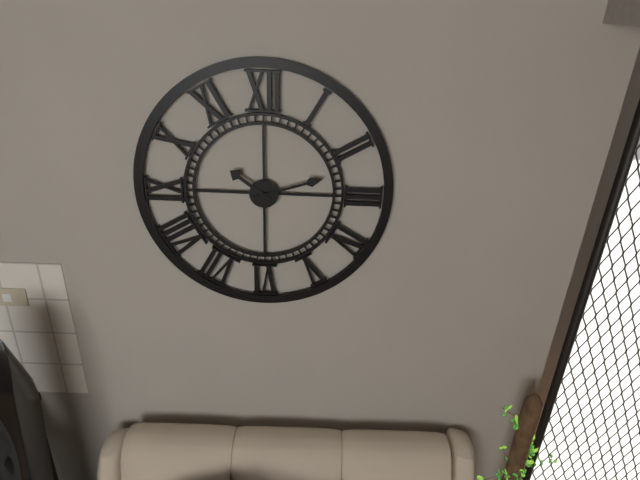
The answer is 10:12
